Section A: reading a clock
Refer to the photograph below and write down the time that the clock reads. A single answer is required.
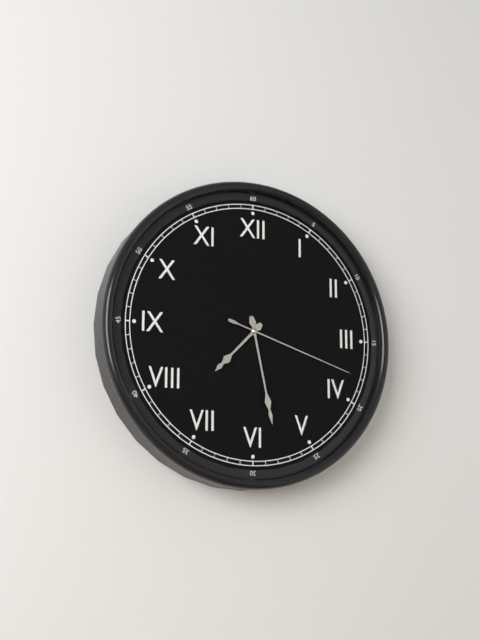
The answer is 7:28:18
